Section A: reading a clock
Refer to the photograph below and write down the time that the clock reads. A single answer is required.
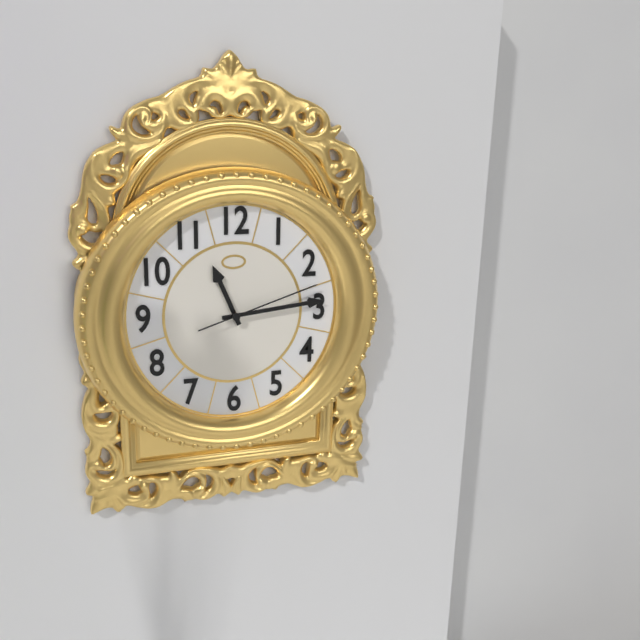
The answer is 11:14:12
